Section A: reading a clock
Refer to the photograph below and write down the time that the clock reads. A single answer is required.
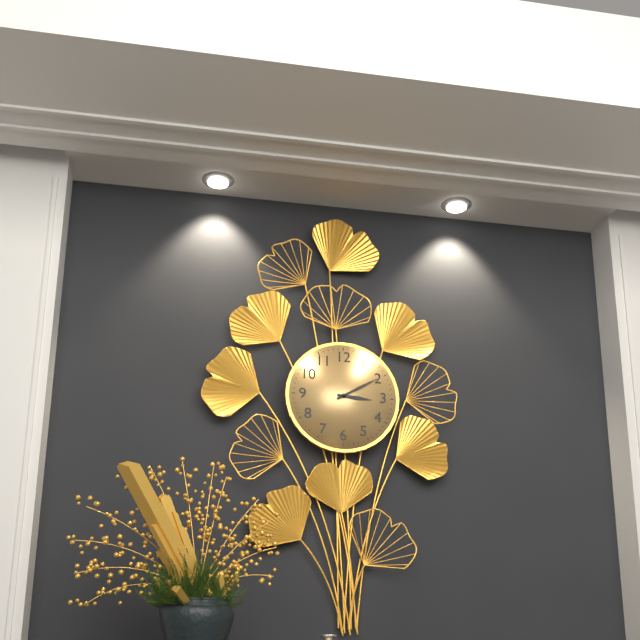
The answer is 3:10
